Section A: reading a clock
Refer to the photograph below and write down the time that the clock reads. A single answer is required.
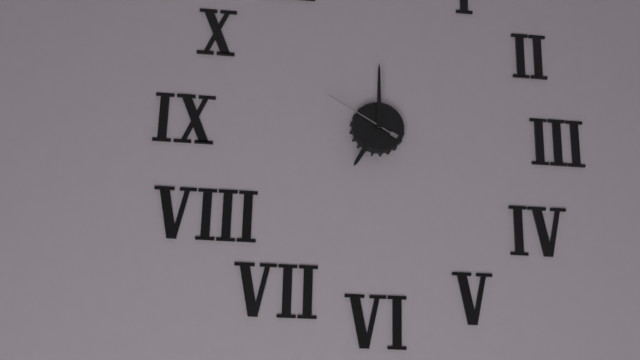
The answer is 7:00:50
